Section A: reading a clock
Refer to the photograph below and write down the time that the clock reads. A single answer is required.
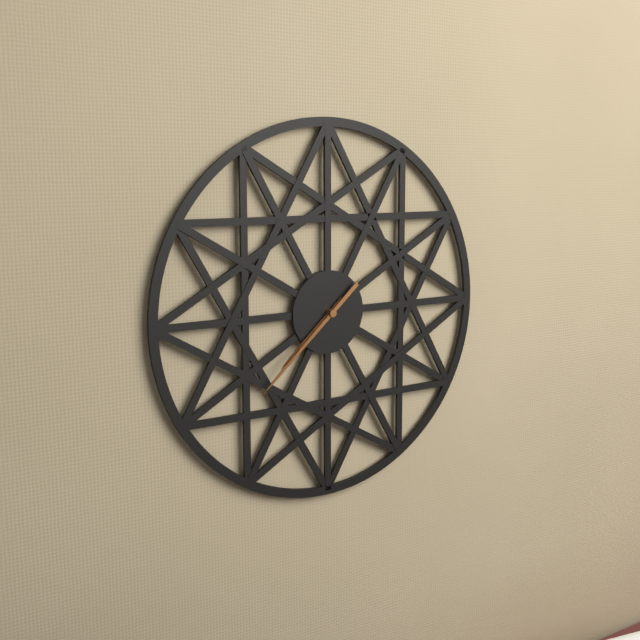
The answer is 7:38
